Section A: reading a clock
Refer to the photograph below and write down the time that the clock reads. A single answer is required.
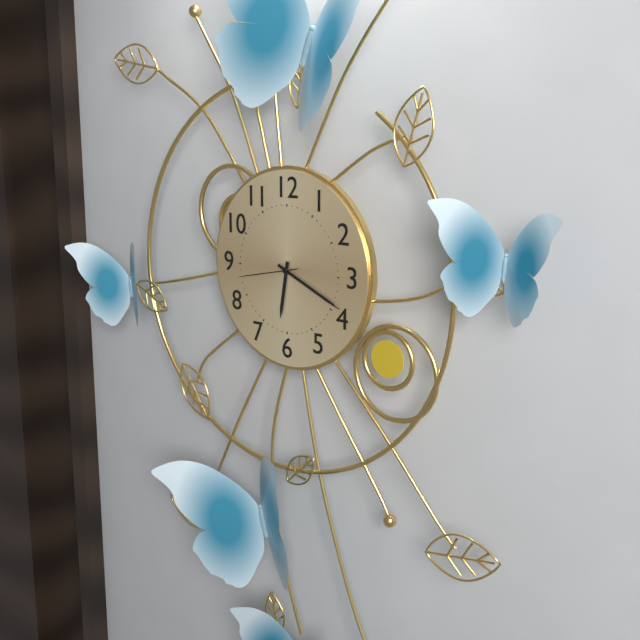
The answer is 6:19:43
